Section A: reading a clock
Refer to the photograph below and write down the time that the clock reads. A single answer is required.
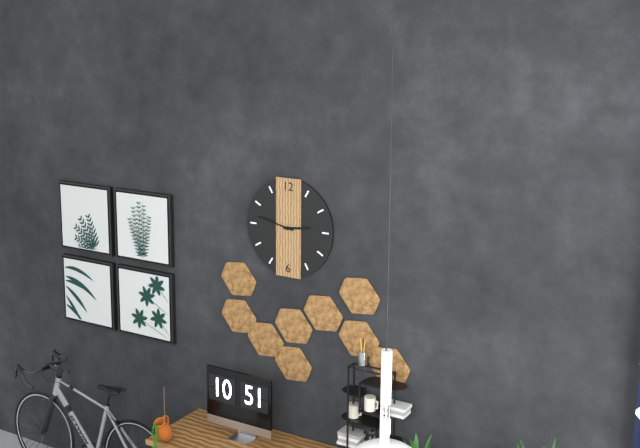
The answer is 2:47
